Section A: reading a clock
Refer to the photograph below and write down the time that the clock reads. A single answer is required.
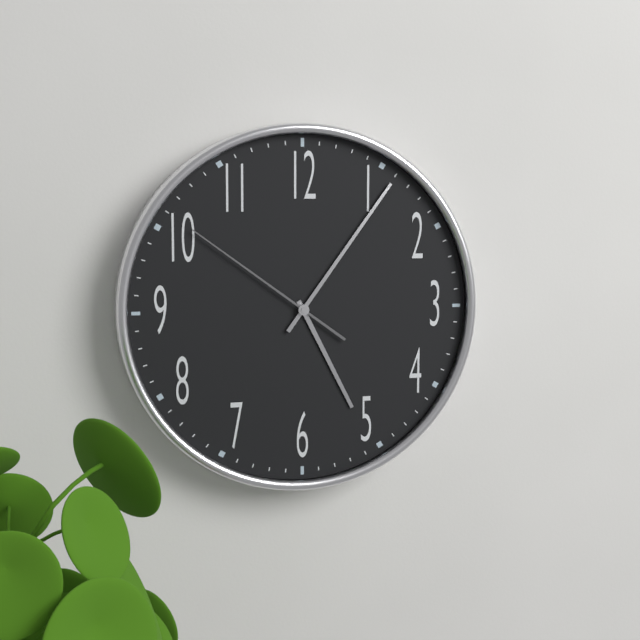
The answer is 5:06:51
